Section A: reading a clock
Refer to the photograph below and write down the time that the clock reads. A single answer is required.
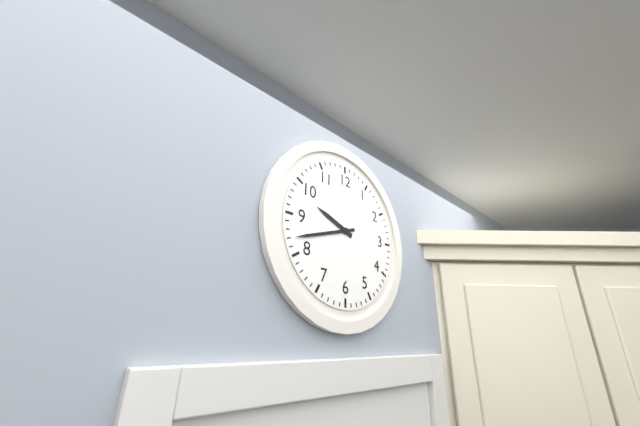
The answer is 9:42
